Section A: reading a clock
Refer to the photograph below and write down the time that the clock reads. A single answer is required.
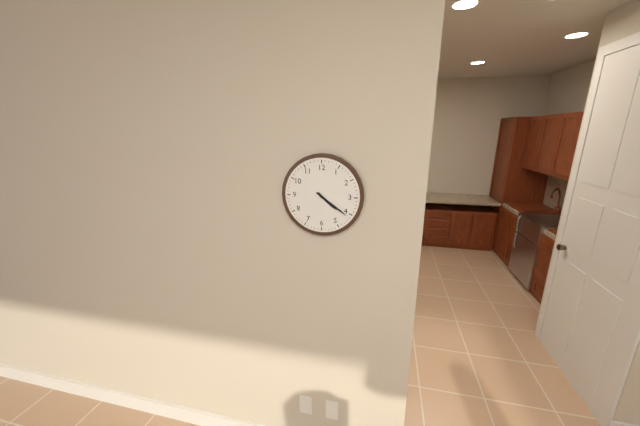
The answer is 4:21
